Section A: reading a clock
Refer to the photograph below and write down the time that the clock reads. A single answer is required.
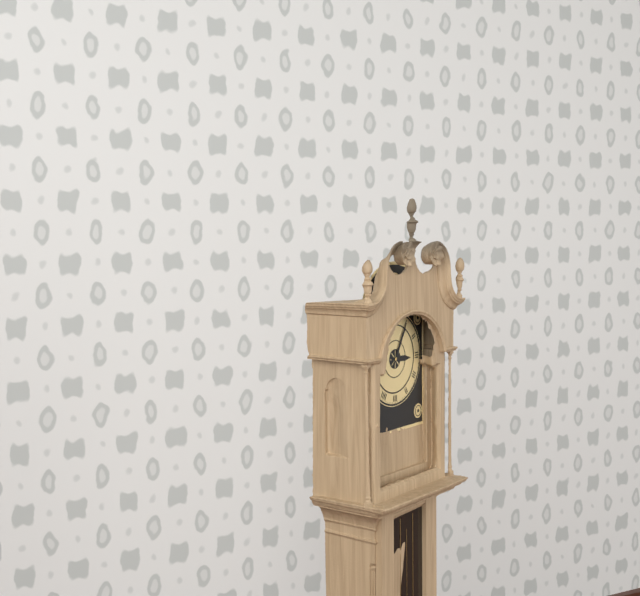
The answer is 3:05
